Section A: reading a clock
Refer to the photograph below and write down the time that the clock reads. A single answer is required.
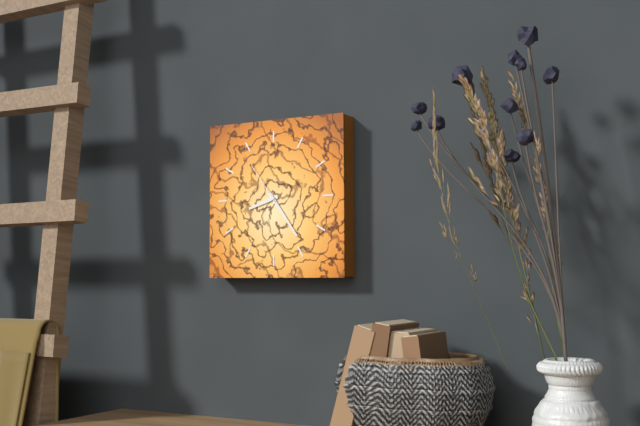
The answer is 8:24
